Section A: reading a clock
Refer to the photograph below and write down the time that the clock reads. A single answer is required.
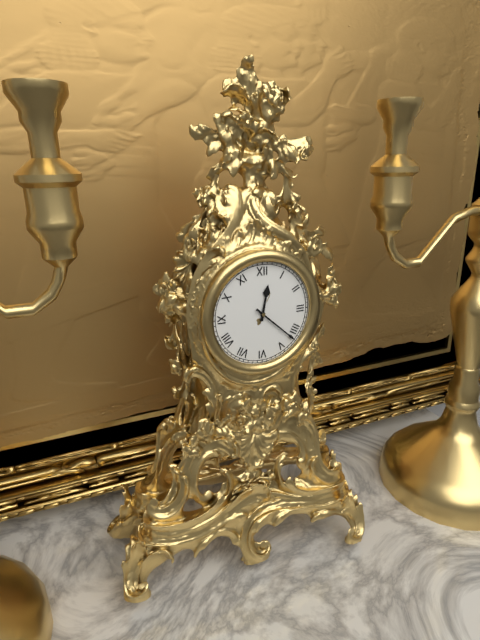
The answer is 12:22
